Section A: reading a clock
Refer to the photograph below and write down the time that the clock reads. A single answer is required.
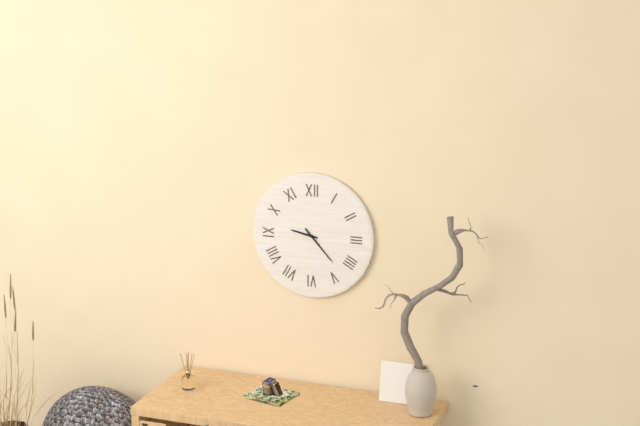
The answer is 9:23
